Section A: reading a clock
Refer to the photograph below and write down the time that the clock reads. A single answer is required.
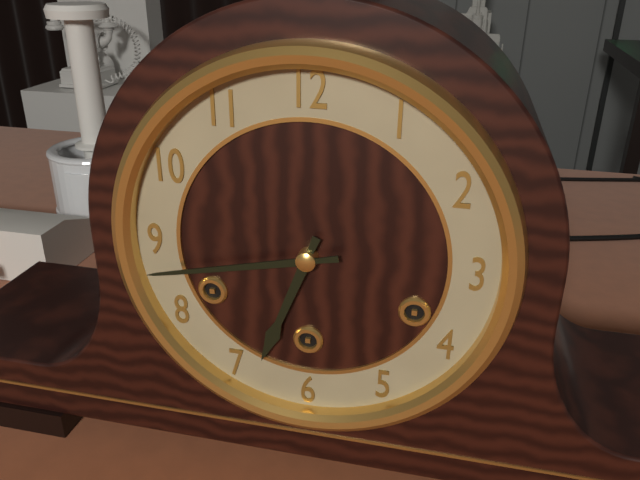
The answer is 6:43
